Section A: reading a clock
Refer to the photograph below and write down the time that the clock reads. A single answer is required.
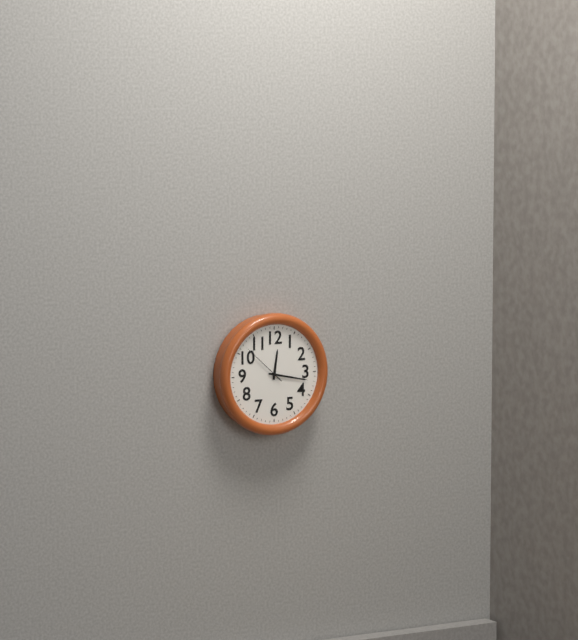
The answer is 12:17
